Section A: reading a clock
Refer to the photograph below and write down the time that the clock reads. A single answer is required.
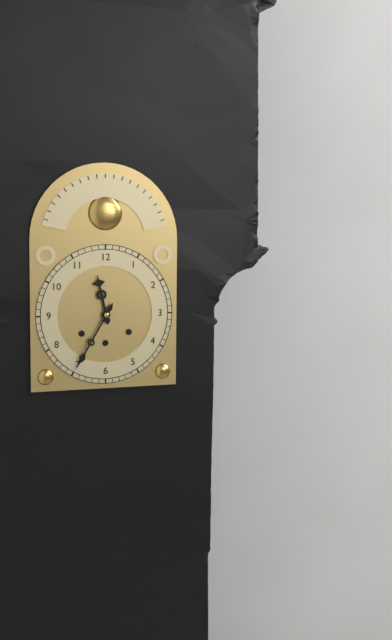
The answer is 11:35
